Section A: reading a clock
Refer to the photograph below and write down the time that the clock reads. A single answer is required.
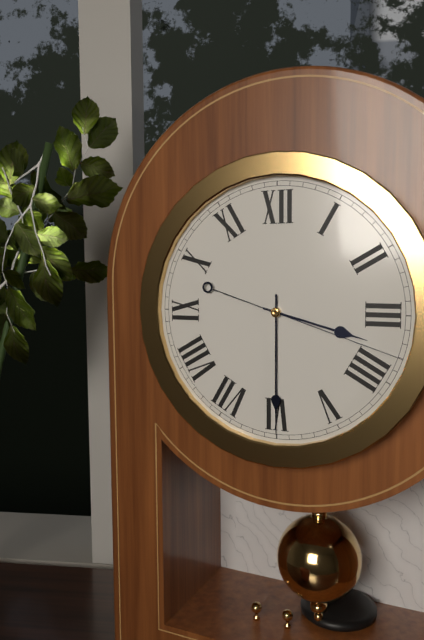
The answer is 3:30:18
